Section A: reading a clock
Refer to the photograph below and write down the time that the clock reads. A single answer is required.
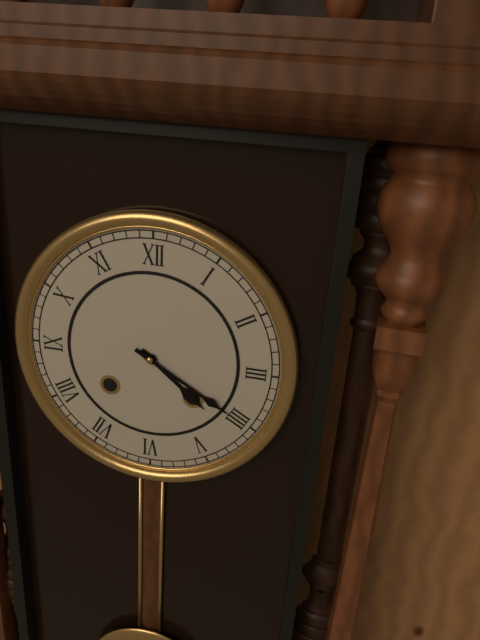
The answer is 4:20
